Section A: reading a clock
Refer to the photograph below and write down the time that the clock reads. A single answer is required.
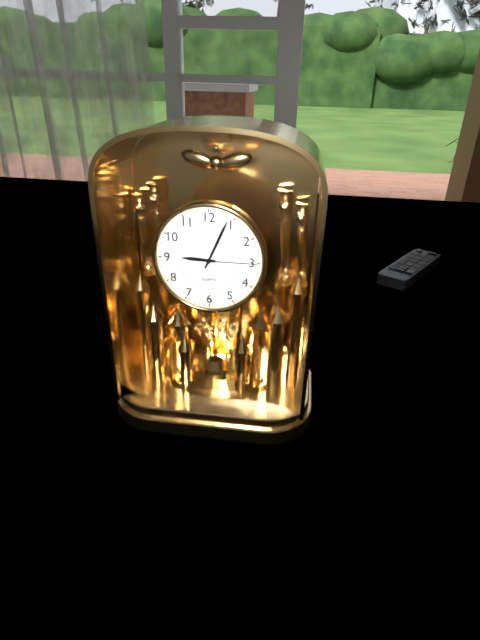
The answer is 9:04:15
